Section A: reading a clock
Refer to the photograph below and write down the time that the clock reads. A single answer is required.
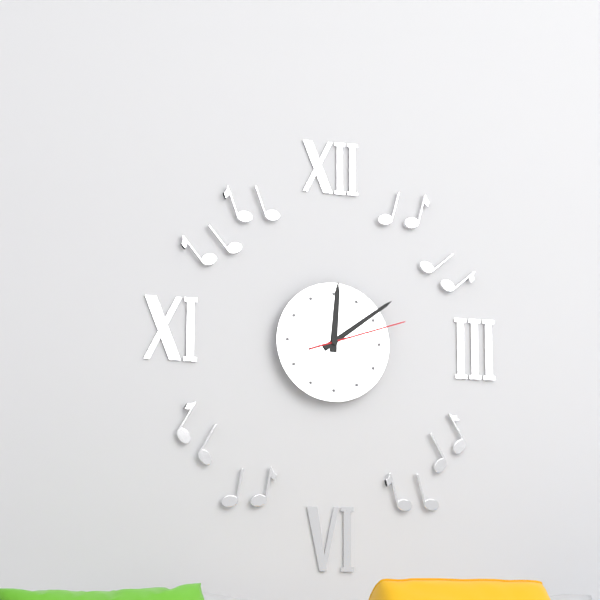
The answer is 12:09:12
